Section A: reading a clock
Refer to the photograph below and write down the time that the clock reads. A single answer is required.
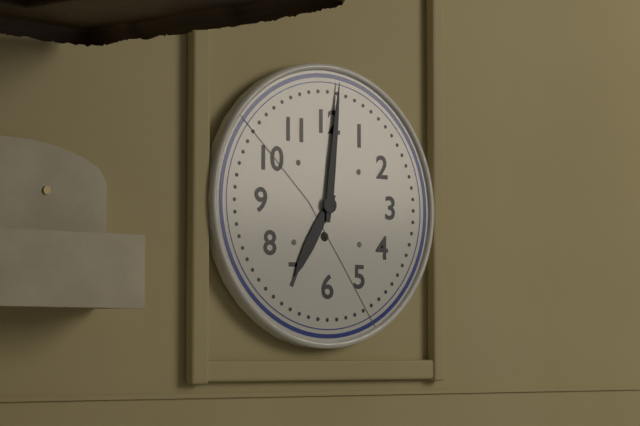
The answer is 7:01
